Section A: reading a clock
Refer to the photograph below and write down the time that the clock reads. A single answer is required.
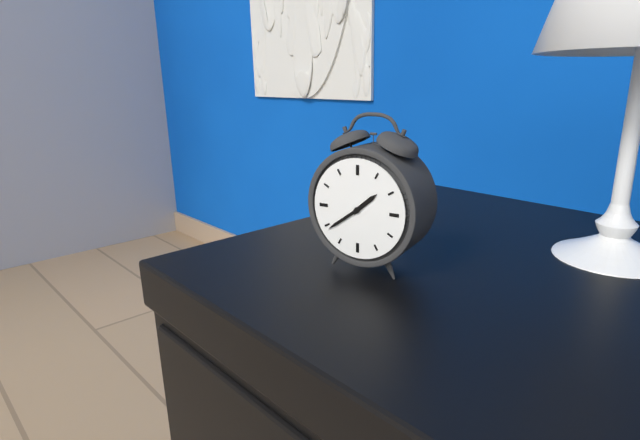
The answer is 1:39
